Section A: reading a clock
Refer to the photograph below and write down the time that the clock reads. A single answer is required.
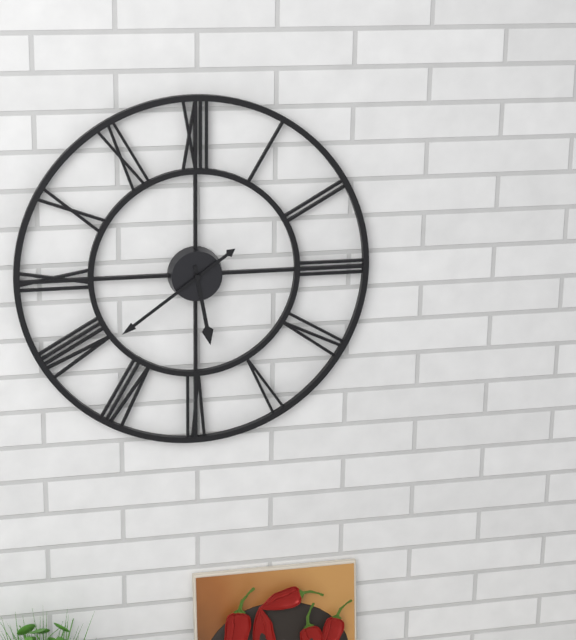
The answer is 5:39
